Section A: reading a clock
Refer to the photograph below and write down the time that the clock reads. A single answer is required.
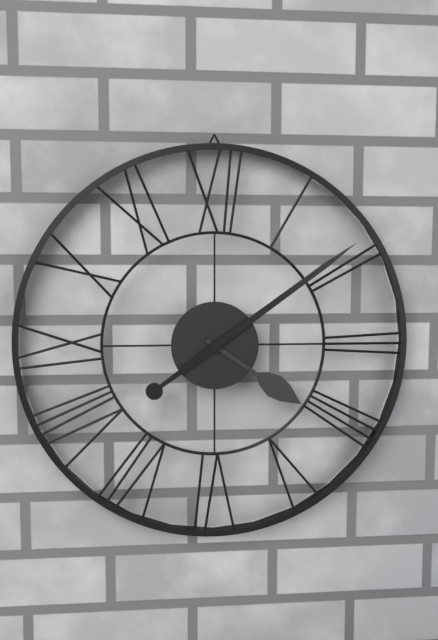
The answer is 4:09
